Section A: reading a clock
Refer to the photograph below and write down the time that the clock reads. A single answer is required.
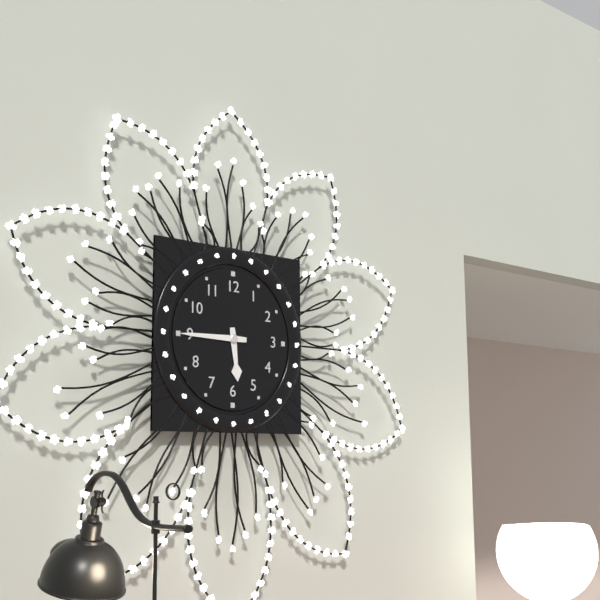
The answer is 5:45
